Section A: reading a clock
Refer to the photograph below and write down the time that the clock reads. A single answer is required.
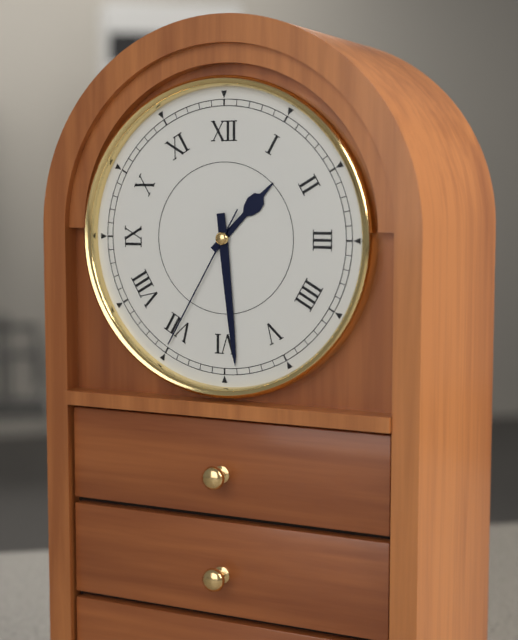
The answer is 1:29:35
